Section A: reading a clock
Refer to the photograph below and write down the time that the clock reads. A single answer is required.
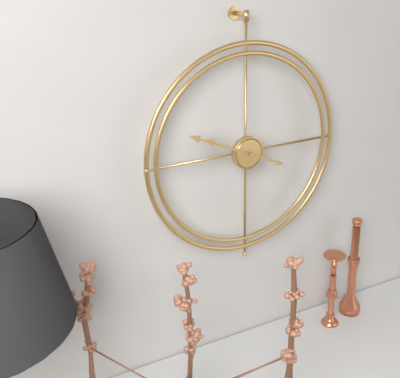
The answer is 9:49
